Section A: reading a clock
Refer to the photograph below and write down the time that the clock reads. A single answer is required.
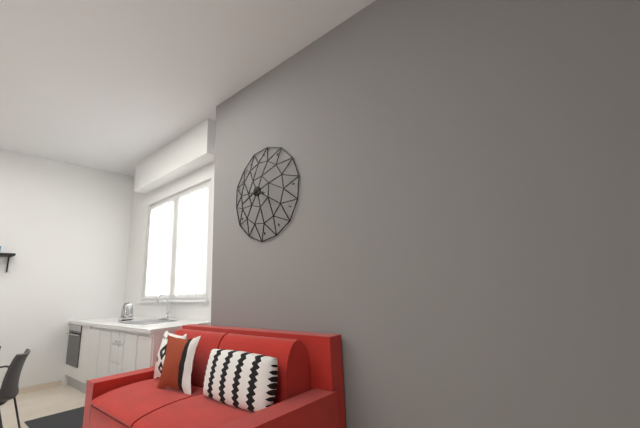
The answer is 3:41
